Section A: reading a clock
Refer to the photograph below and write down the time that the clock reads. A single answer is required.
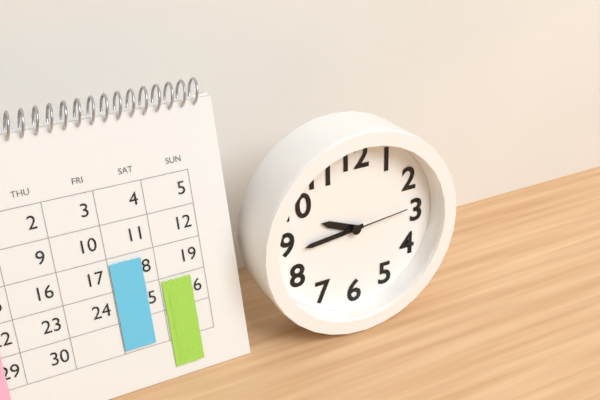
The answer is 9:44:14
